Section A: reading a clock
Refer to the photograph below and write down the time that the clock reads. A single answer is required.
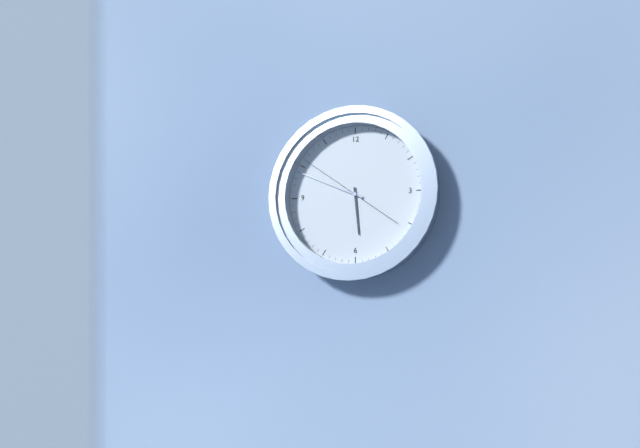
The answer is 5:49:51
